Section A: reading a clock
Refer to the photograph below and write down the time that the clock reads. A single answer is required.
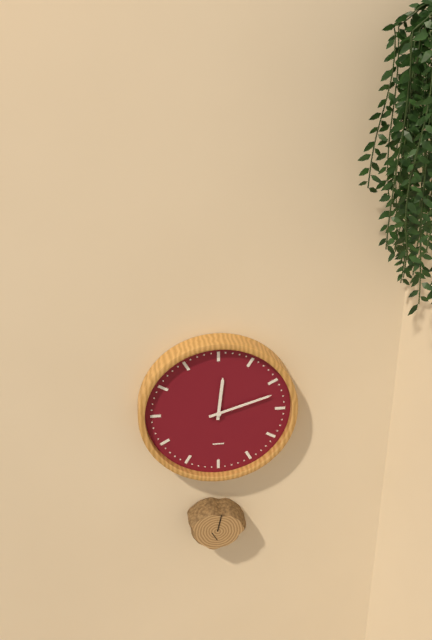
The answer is 12:12
